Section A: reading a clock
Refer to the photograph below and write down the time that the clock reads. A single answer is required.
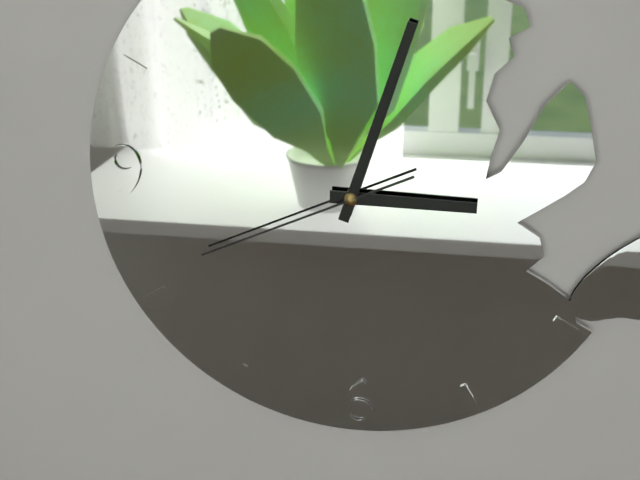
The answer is 3:03:41
